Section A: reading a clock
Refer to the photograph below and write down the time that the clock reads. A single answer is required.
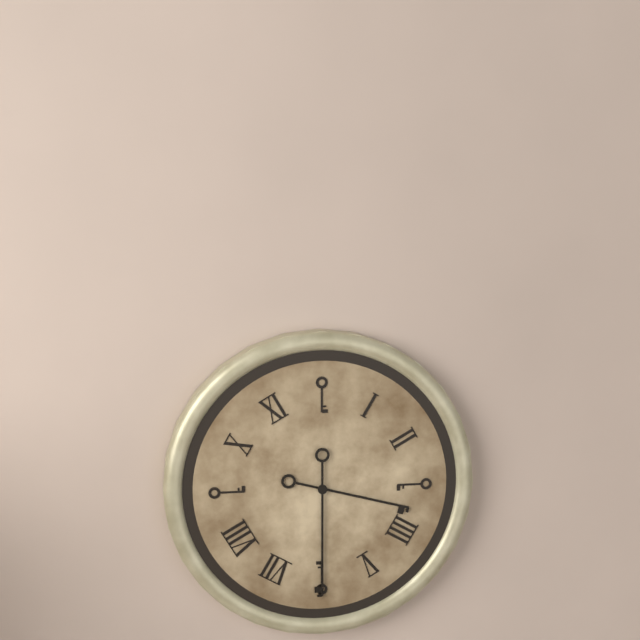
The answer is 3:30
